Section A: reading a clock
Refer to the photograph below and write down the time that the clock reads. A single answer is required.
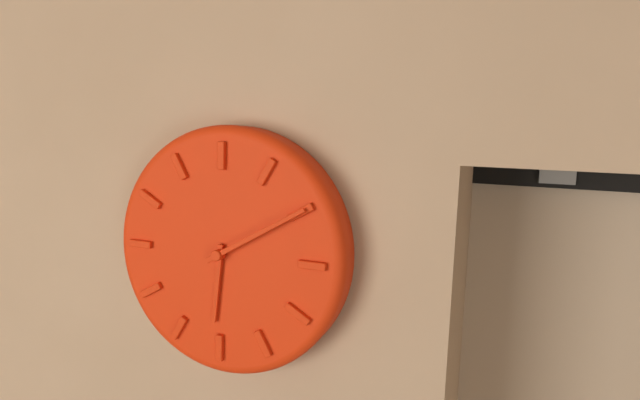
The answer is 6:10
